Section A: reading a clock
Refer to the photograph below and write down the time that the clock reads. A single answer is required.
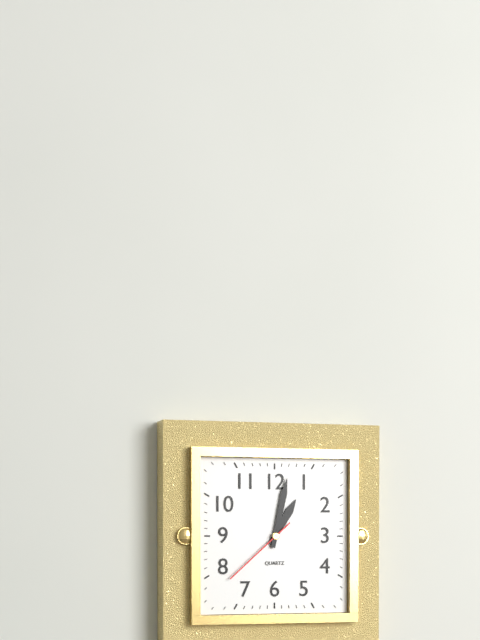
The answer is 1:02:38
